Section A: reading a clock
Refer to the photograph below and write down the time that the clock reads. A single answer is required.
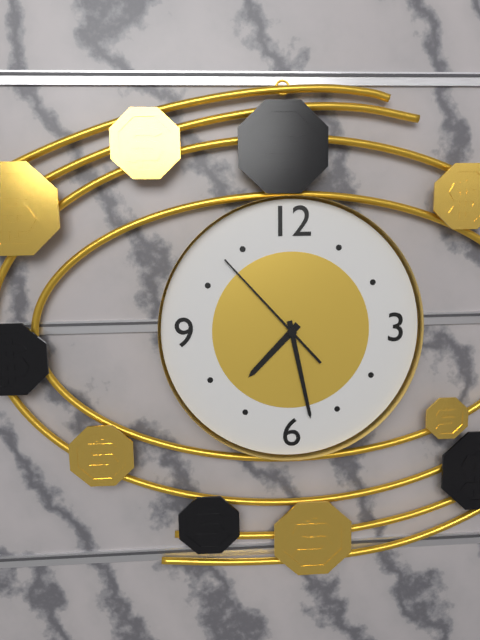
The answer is 7:28:53
